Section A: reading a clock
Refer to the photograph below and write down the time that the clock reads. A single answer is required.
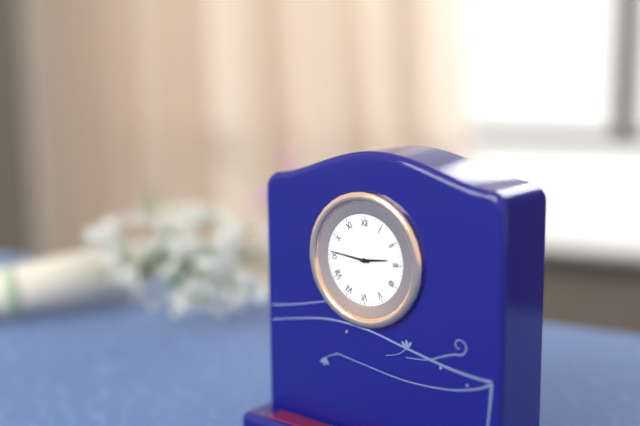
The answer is 2:46
